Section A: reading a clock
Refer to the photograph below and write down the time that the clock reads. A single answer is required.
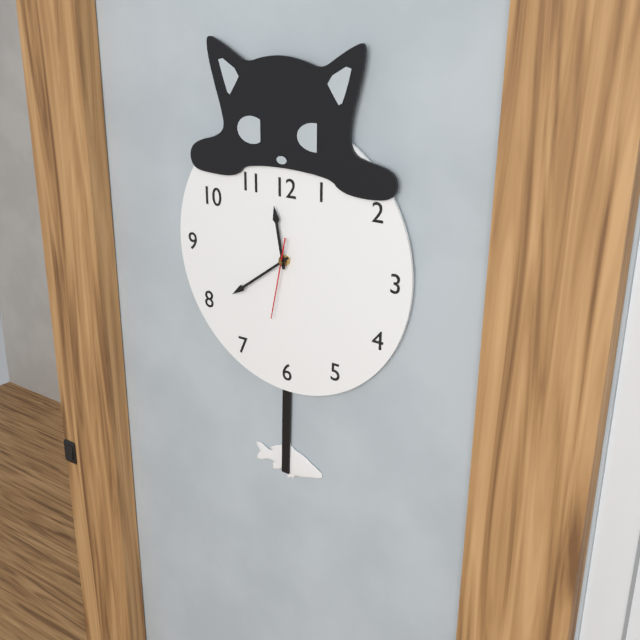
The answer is 11:39:32
